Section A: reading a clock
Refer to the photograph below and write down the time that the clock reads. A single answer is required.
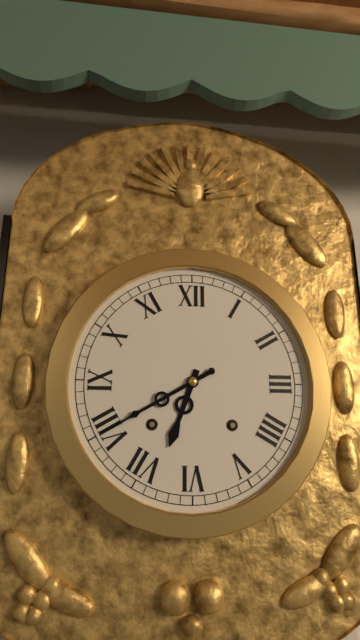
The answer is 6:40
